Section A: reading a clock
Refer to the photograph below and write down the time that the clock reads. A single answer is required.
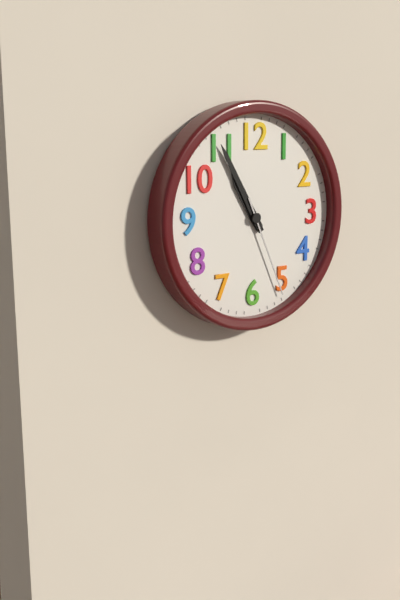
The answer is 10:55:26
